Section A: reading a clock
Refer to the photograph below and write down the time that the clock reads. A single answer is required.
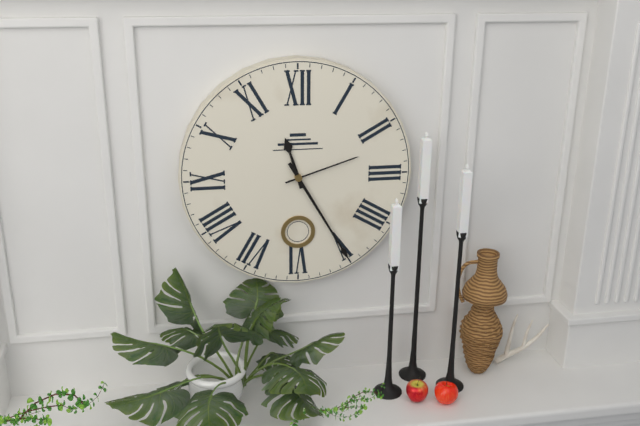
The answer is 11:25:12
